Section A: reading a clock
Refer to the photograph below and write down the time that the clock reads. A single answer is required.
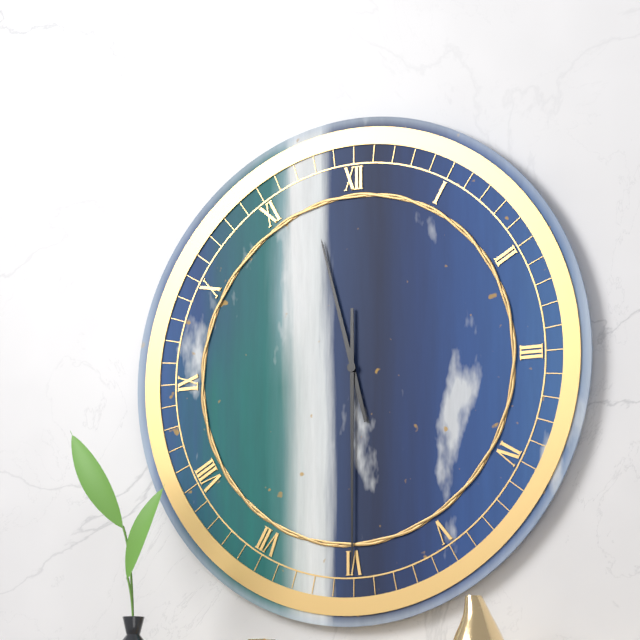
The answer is 11:30
